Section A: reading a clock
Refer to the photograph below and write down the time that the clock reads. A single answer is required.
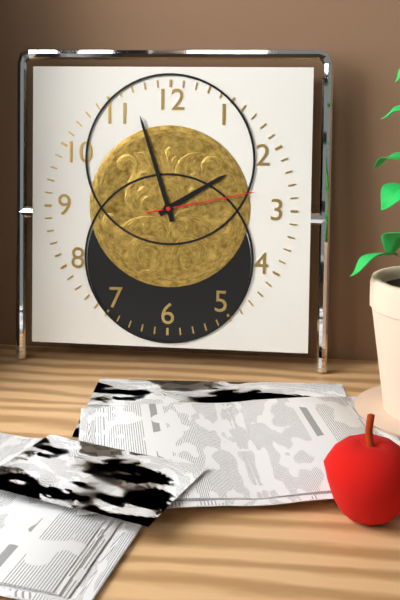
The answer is 1:57:13
